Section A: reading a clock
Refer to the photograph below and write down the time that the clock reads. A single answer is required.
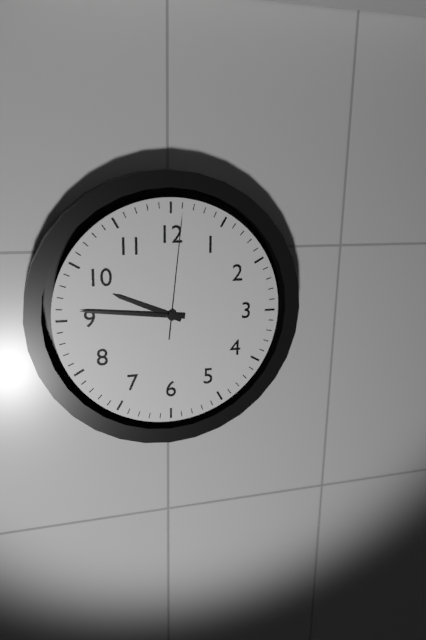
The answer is 9:46:01
